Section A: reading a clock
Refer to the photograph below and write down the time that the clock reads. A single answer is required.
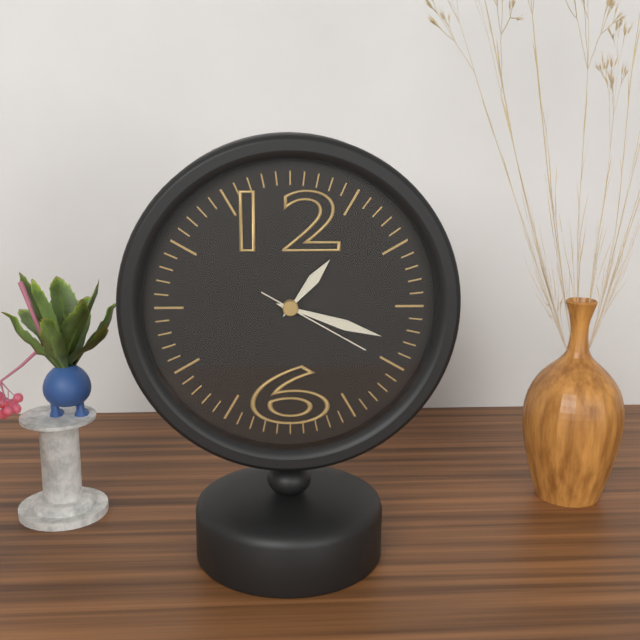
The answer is 1:18:20
